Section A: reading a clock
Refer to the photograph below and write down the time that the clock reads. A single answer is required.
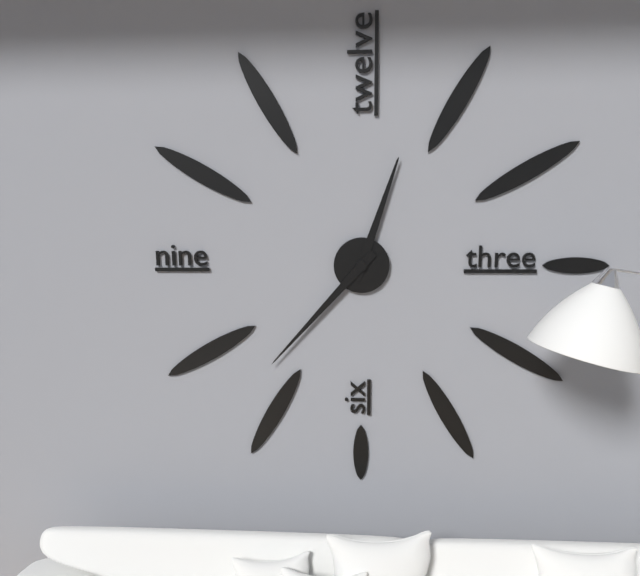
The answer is 12:37
